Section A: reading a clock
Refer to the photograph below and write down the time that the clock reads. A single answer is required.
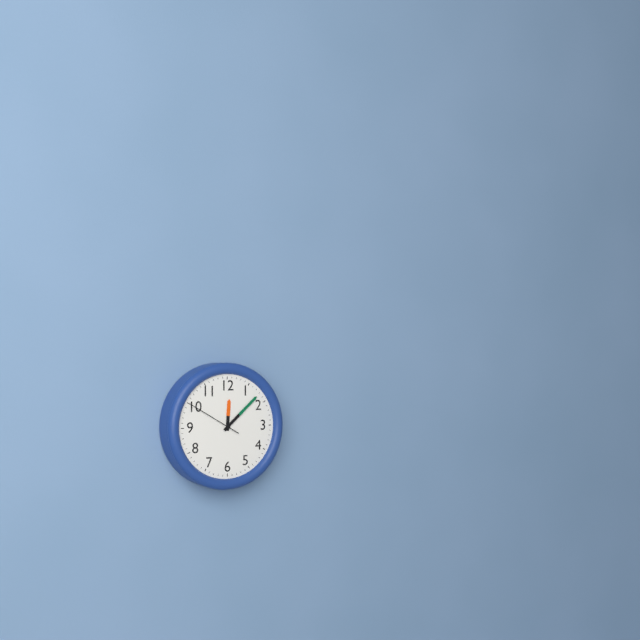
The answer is 12:08:50
